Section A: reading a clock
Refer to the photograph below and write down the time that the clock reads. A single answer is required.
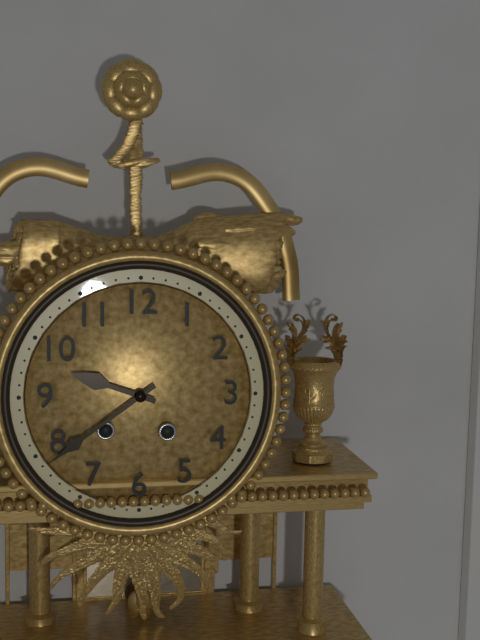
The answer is 9:39
